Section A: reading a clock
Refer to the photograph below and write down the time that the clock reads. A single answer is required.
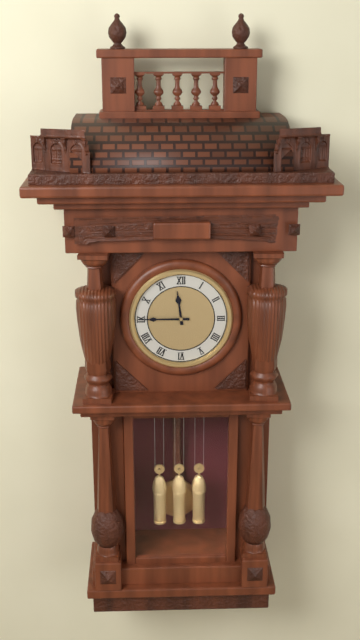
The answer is 11:45
